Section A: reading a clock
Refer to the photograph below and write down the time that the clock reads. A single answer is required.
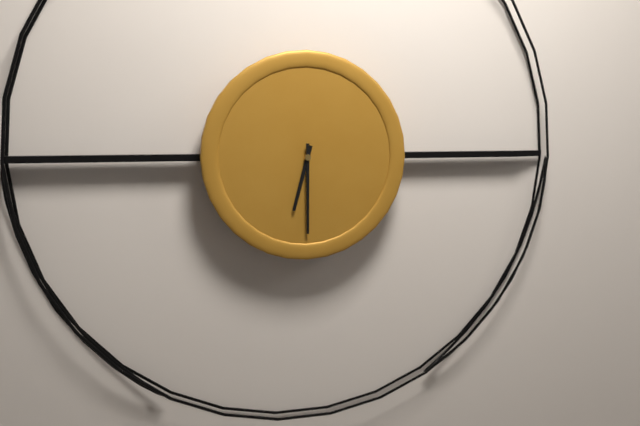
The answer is 6:30
